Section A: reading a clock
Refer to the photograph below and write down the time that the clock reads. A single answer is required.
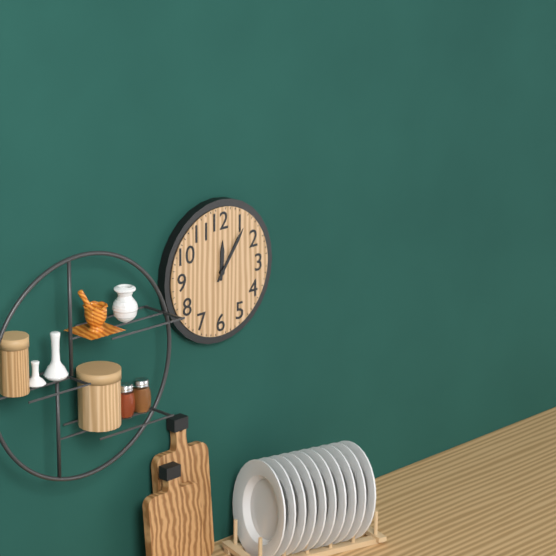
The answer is 12:06
